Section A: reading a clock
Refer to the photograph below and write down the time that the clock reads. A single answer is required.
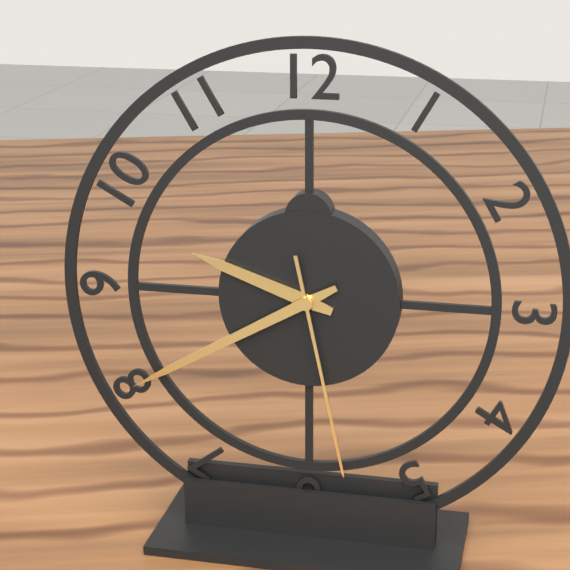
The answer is 9:40:28
